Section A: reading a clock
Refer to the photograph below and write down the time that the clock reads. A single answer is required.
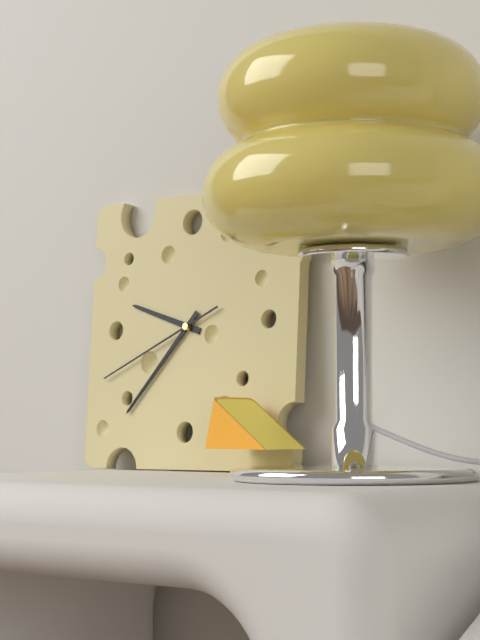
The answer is 9:37:41
